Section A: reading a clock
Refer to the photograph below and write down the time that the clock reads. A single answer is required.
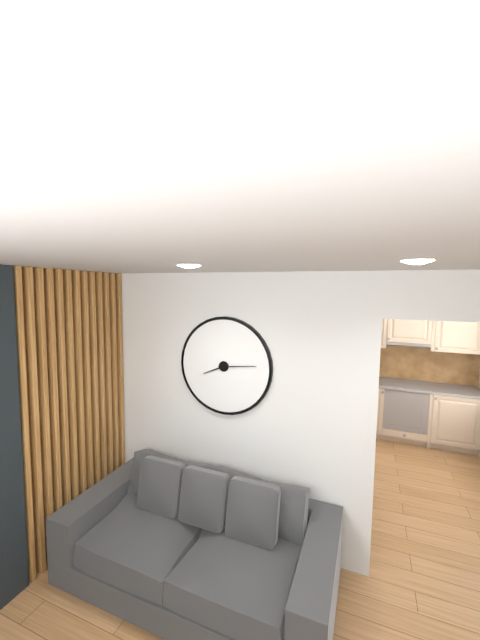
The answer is 8:14
